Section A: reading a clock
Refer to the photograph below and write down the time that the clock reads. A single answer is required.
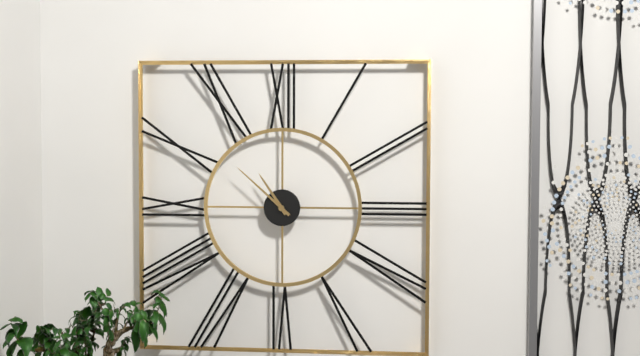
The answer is 10:52
